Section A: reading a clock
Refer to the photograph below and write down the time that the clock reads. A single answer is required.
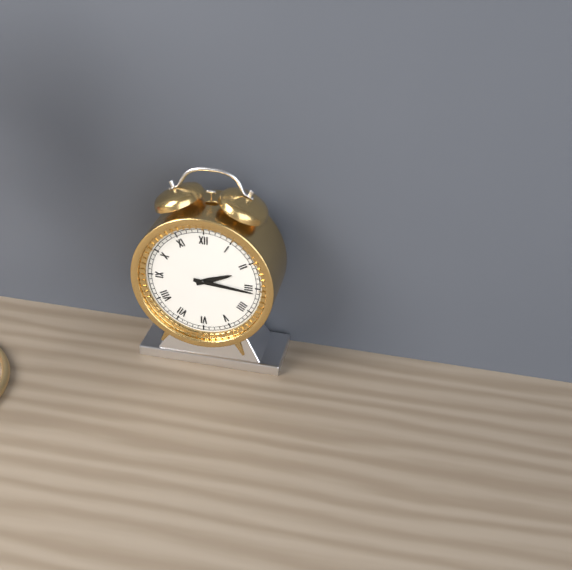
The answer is 2:16
